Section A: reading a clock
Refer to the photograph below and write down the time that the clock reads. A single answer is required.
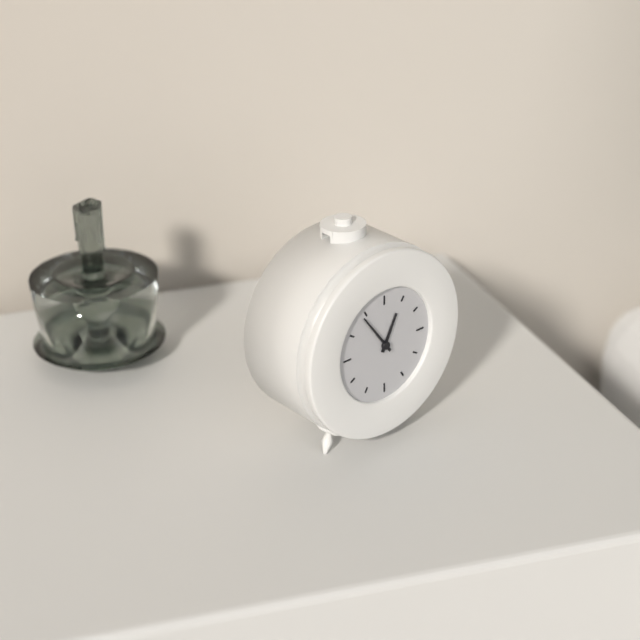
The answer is 12:54
